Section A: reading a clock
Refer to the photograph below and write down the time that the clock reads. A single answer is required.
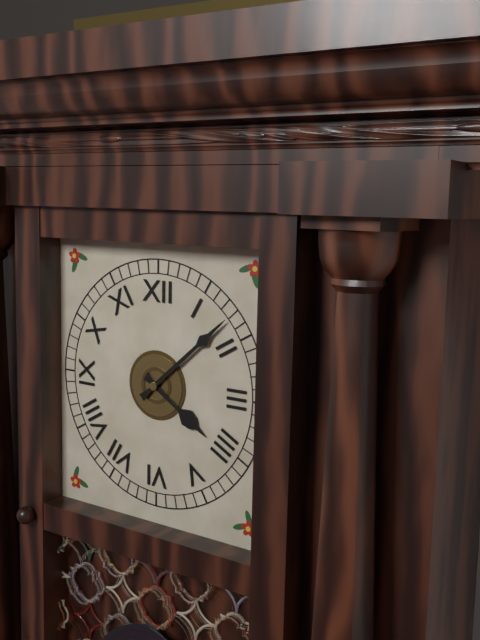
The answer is 4:08
